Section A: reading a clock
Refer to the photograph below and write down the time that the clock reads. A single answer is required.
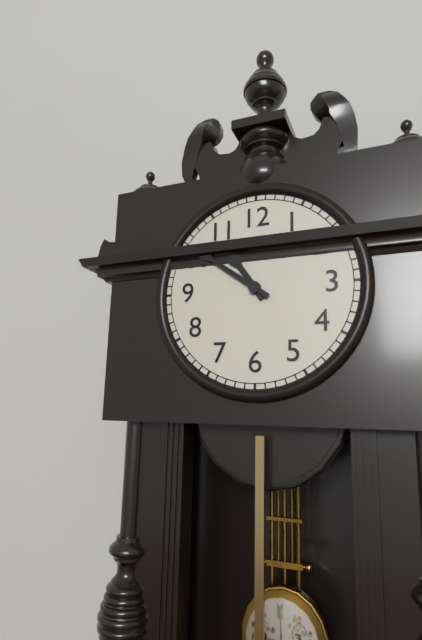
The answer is 10:51
